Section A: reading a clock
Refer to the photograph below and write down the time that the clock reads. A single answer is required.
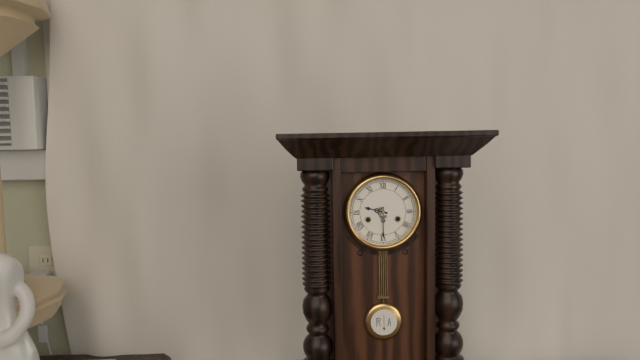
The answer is 9:30
